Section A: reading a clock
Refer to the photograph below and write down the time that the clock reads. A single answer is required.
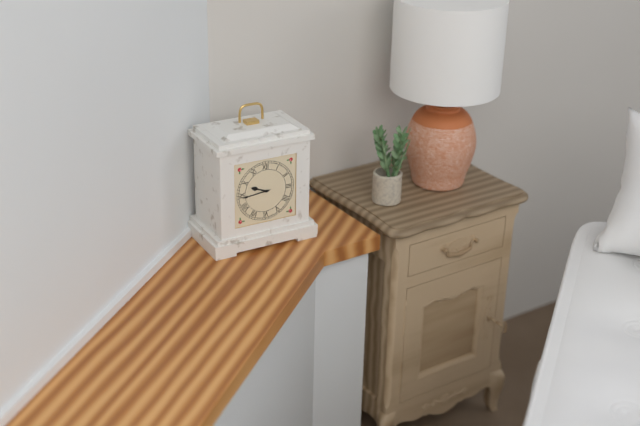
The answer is 9:44
